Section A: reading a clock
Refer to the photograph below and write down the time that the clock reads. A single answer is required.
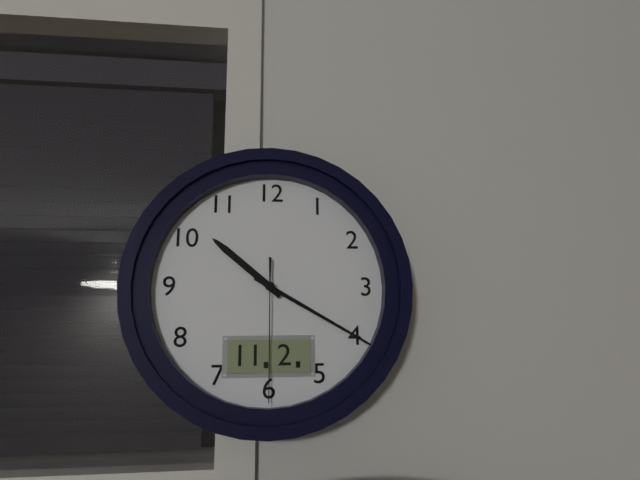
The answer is 10:20:30
